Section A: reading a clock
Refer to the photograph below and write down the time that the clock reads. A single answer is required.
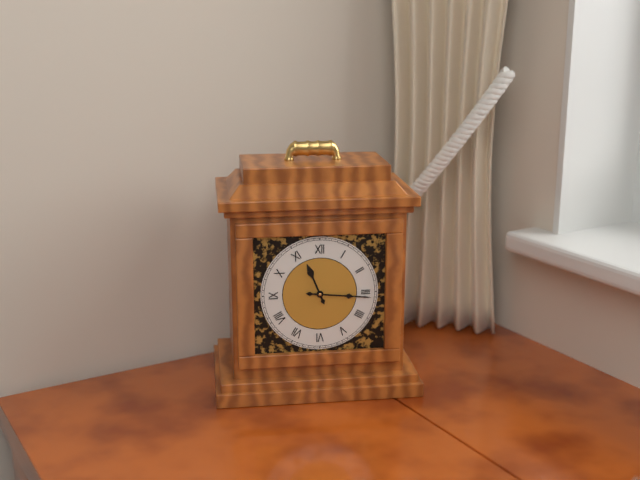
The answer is 11:16
